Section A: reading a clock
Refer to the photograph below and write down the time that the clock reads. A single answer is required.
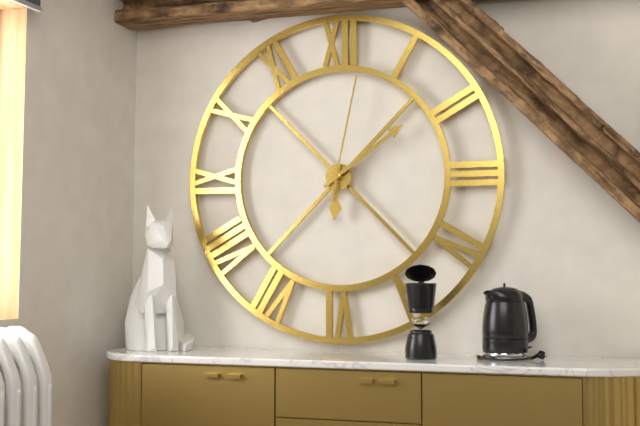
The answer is 6:09:02
